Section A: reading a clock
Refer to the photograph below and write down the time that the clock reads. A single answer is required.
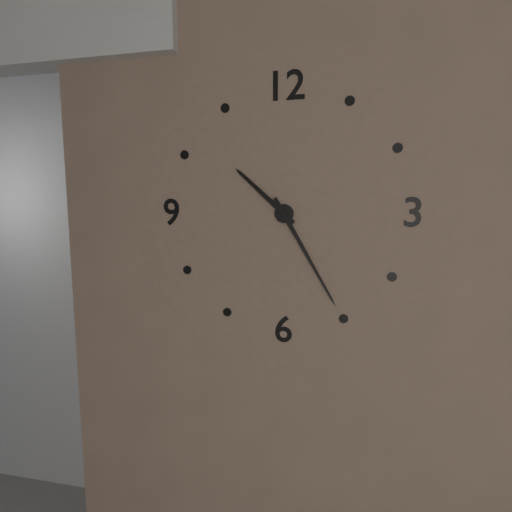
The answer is 10:25
